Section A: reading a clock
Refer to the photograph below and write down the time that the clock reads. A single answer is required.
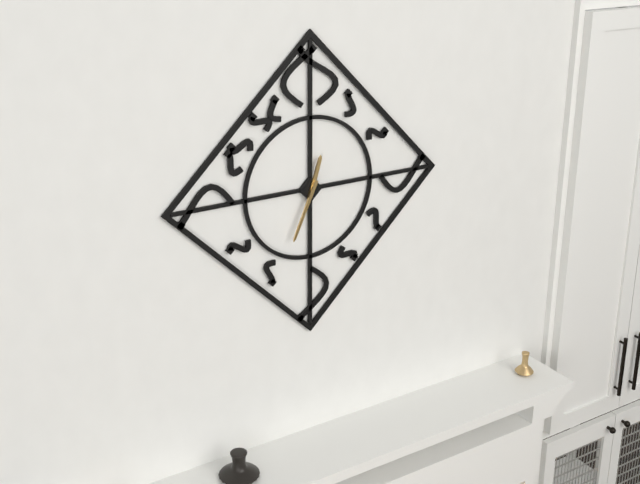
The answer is 12:34
